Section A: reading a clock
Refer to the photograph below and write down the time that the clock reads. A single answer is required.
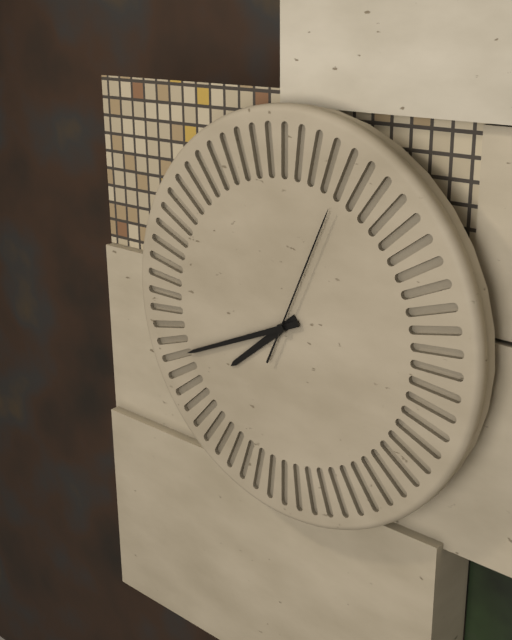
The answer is 7:41:04
